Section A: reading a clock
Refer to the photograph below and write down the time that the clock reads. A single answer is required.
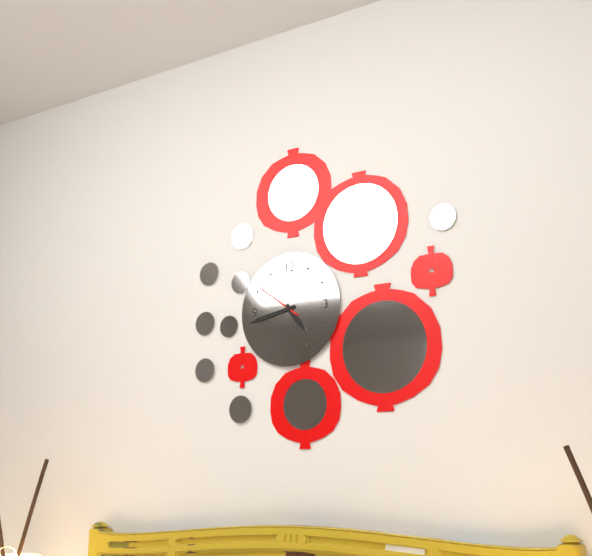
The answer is 4:43:51
